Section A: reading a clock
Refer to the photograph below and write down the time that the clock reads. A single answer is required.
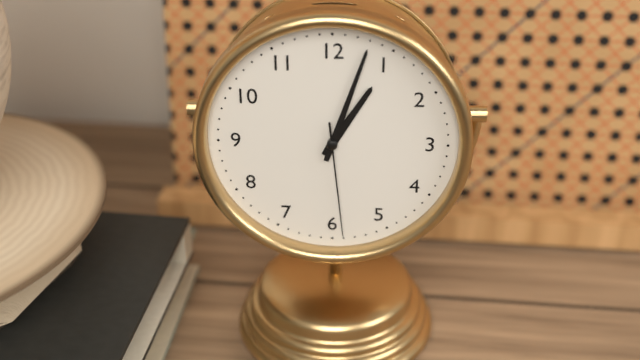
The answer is 1:03:29
